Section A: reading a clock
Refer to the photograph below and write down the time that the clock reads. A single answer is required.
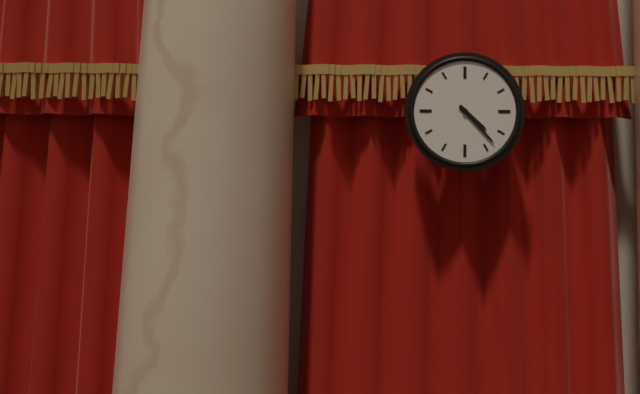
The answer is 4:23
